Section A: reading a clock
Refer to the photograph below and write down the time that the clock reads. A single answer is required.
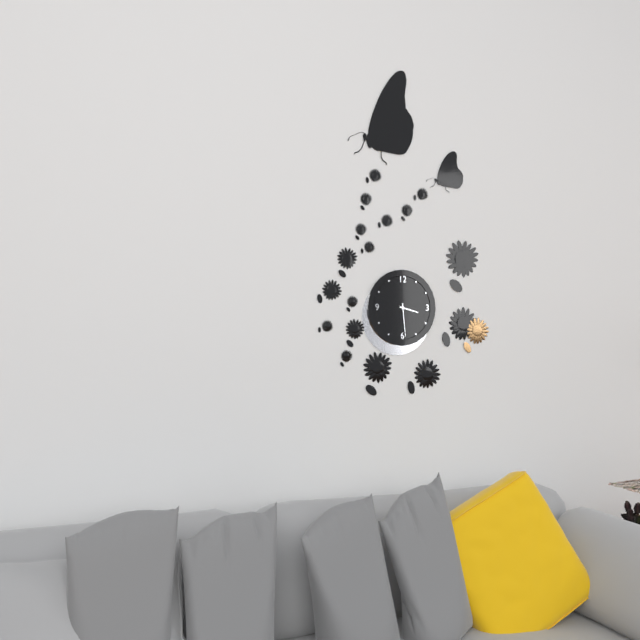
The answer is 3:29
